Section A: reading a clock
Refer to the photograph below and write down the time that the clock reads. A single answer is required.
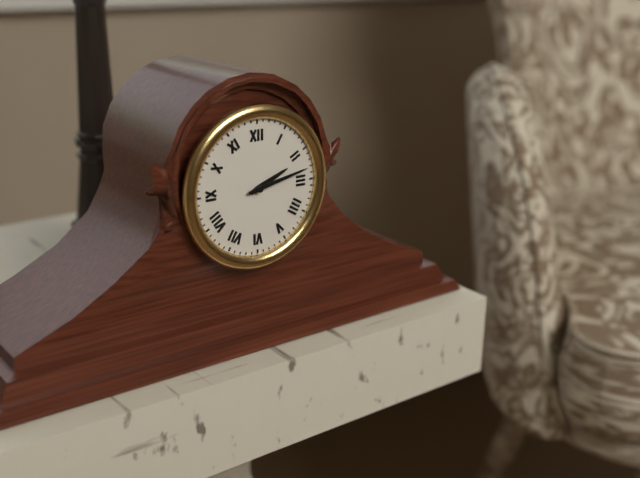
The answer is 2:13
